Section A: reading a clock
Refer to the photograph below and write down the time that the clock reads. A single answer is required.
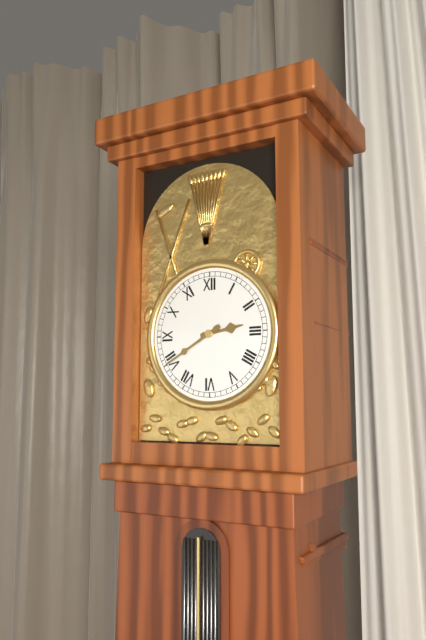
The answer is 2:40
